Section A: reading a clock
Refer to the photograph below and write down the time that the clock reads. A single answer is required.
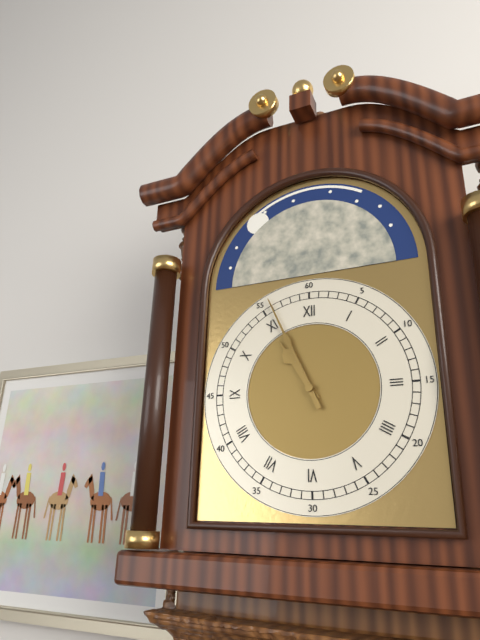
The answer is 10:56
